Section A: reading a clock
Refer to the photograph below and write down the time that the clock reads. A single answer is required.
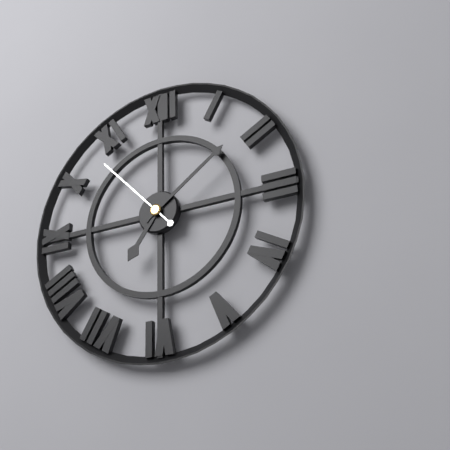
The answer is 7:09:53
